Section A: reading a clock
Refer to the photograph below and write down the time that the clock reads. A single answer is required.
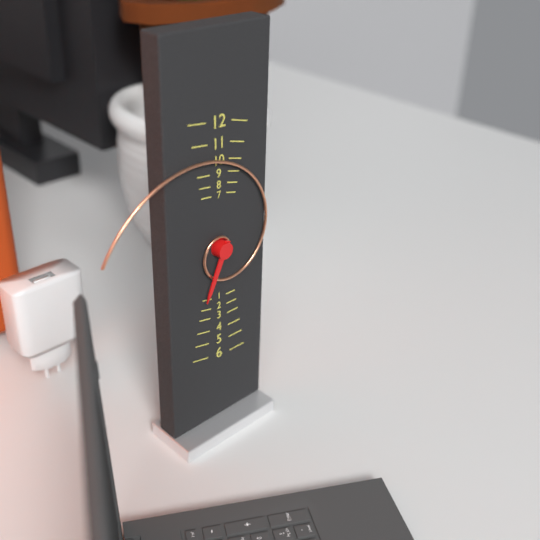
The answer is 6:47
